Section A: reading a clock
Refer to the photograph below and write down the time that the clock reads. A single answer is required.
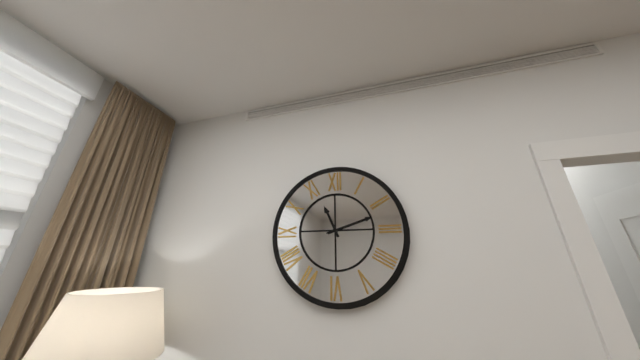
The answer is 11:12
